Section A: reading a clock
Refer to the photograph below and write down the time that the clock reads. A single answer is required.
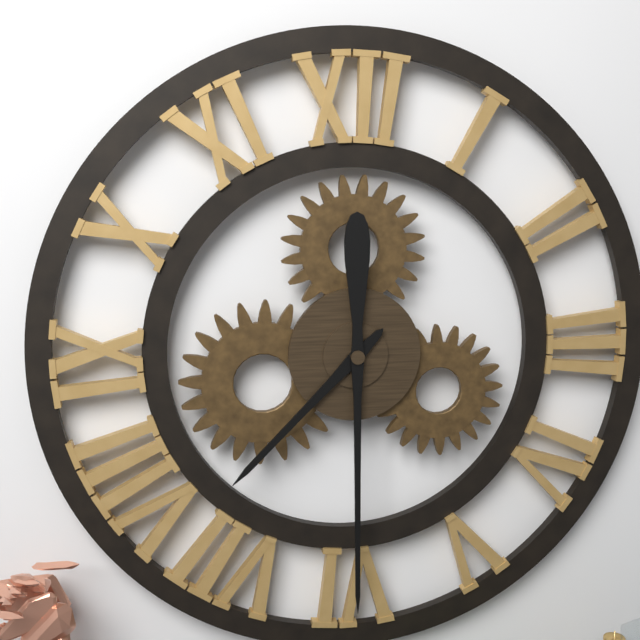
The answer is 7:30
